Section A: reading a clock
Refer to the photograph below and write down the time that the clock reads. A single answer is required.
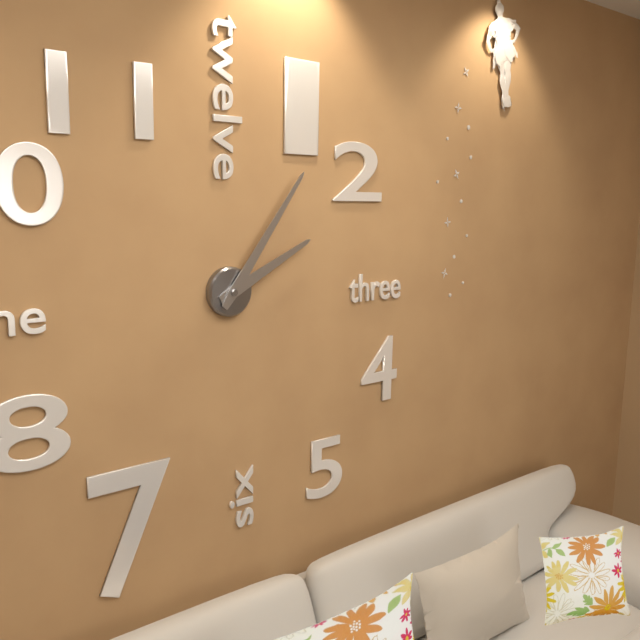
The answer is 2:06
